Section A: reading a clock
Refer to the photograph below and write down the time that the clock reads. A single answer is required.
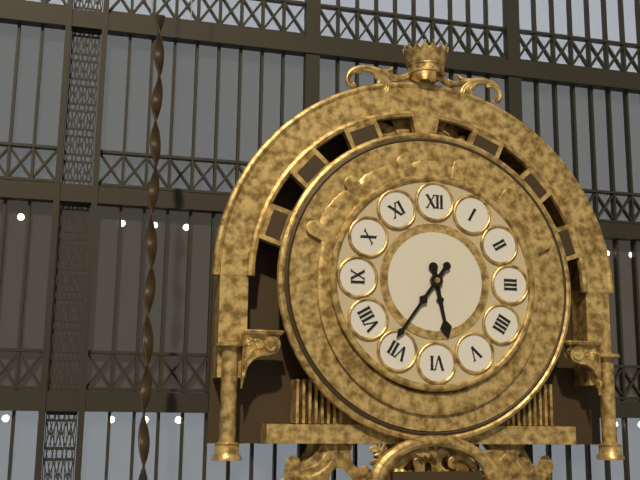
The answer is 5:36
